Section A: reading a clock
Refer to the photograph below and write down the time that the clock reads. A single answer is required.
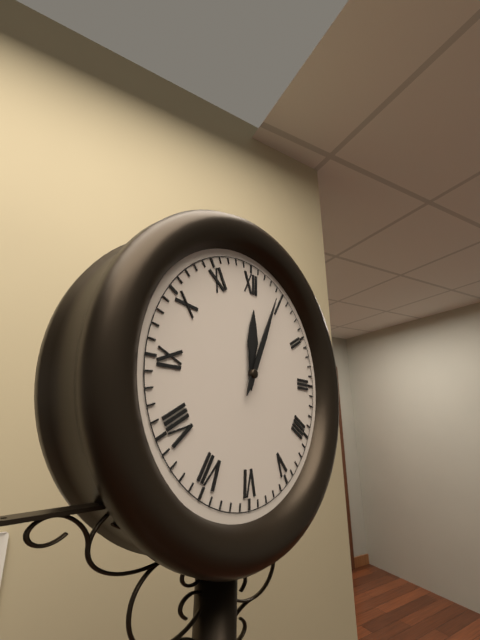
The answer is 12:04
